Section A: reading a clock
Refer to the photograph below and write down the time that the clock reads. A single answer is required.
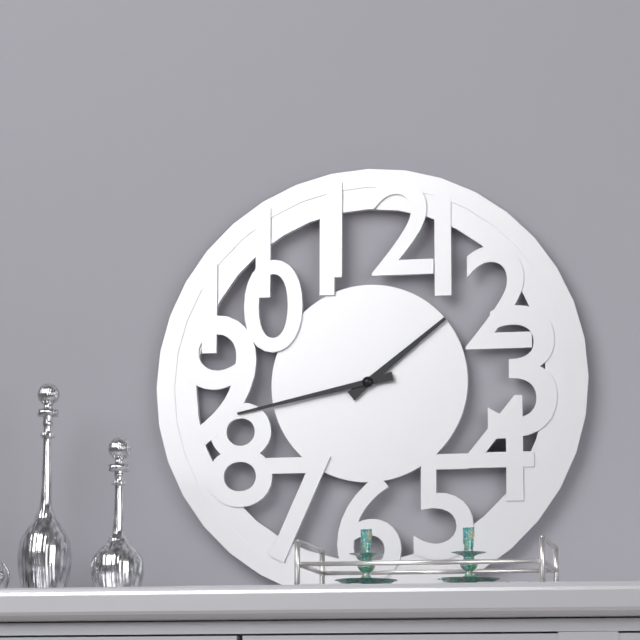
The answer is 1:43
